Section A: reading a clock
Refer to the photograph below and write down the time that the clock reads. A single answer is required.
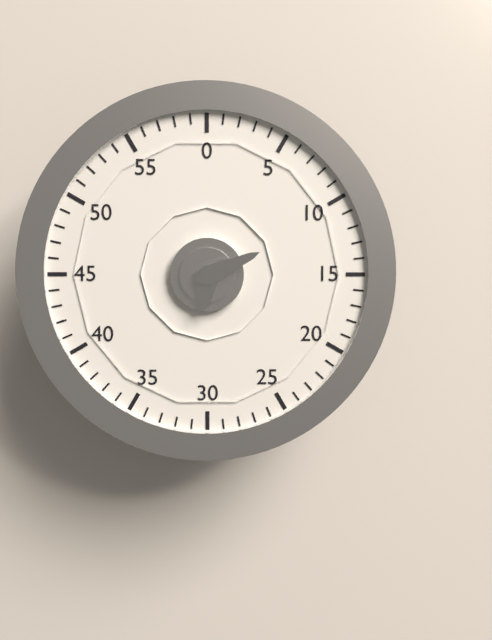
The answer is 6:11
